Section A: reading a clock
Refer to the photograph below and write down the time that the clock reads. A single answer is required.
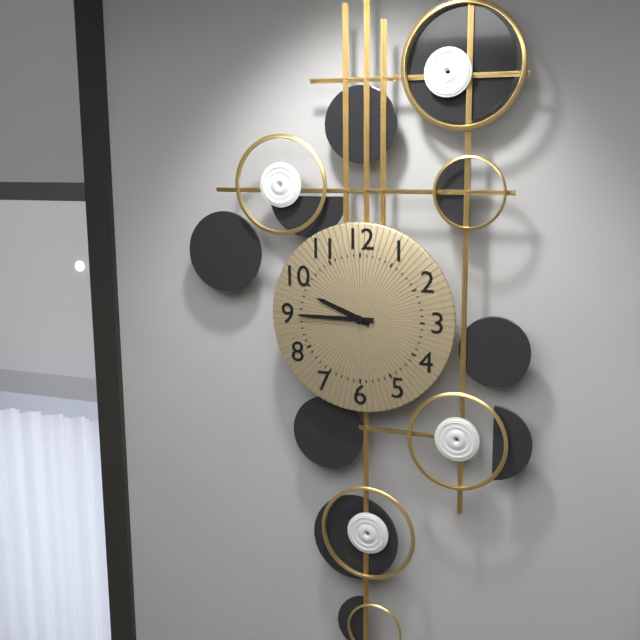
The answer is 9:45
